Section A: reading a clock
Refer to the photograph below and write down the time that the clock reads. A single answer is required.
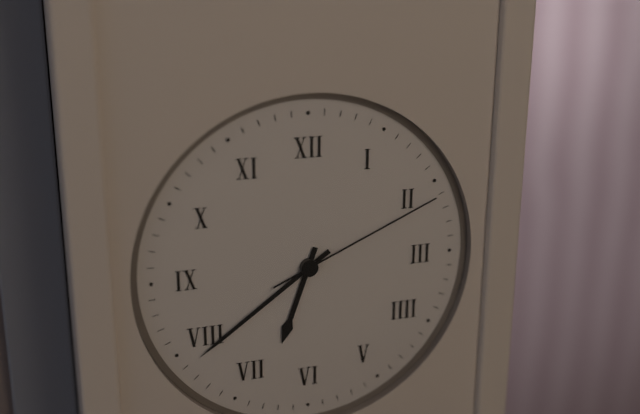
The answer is 6:39:11
